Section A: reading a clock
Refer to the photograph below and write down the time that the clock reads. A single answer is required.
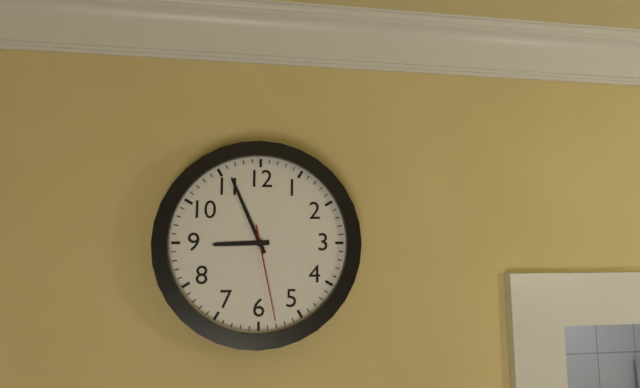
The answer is 8:56:28
